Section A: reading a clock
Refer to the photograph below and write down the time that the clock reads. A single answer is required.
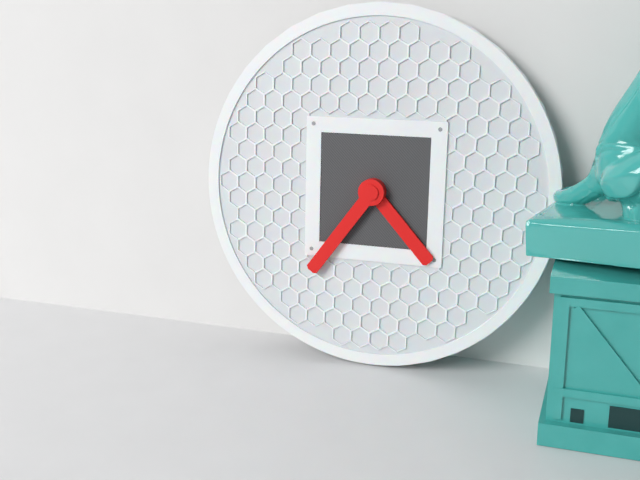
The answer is 4:36
